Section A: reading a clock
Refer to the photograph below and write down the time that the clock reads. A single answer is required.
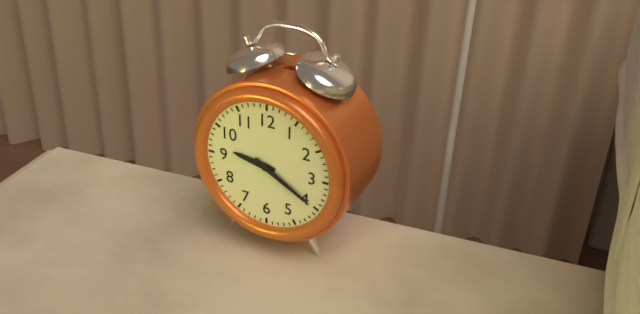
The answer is 9:20
